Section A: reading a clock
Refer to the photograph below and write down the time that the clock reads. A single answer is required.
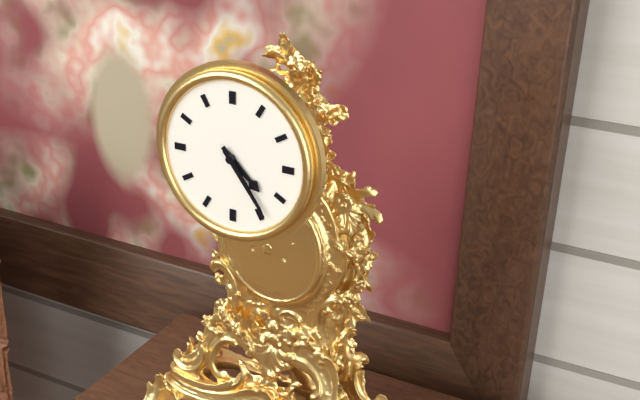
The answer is 4:24
